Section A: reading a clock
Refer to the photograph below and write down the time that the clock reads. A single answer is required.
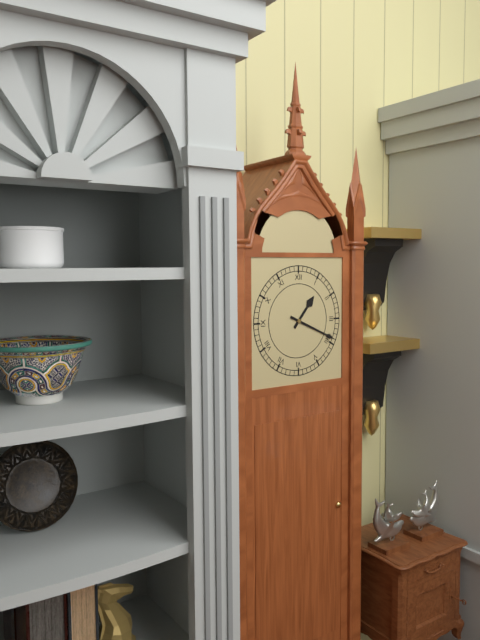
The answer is 1:19
